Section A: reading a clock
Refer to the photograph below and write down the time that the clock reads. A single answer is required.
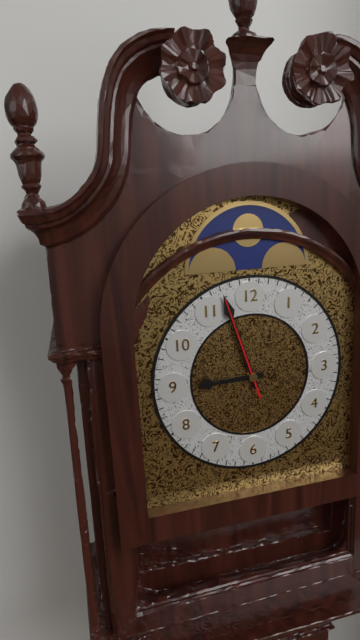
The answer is 8:57:57
